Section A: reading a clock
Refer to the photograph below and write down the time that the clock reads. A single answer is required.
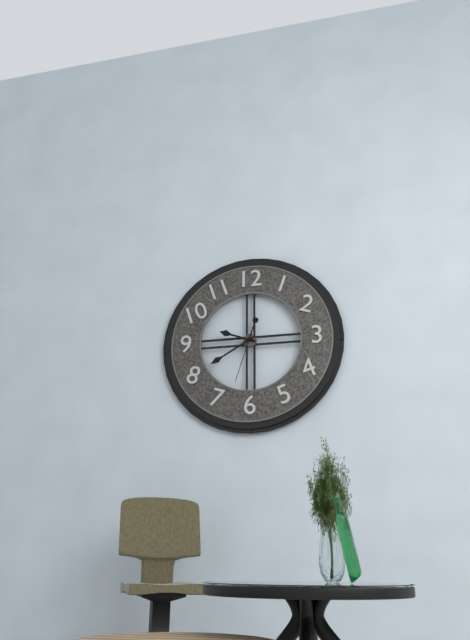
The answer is 9:40:33
